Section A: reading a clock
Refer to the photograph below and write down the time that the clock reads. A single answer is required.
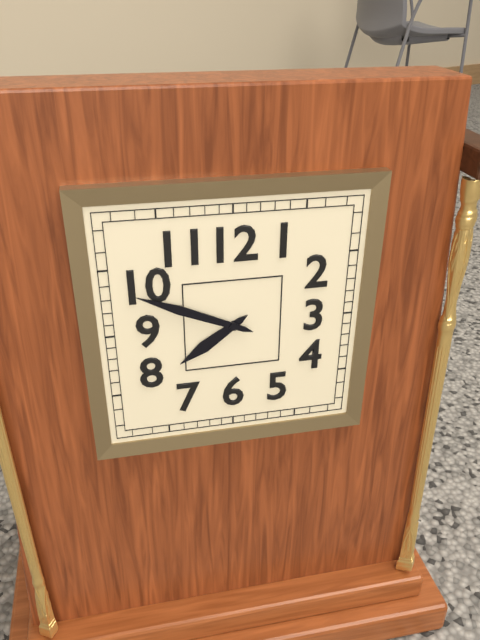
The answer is 7:49
